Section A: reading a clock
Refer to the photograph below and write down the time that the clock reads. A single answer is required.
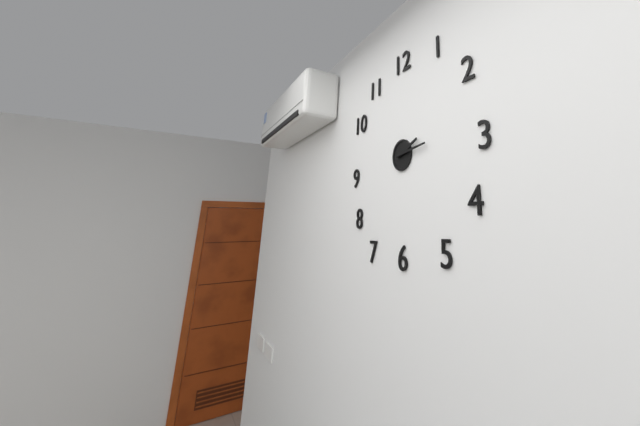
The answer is 2:14
